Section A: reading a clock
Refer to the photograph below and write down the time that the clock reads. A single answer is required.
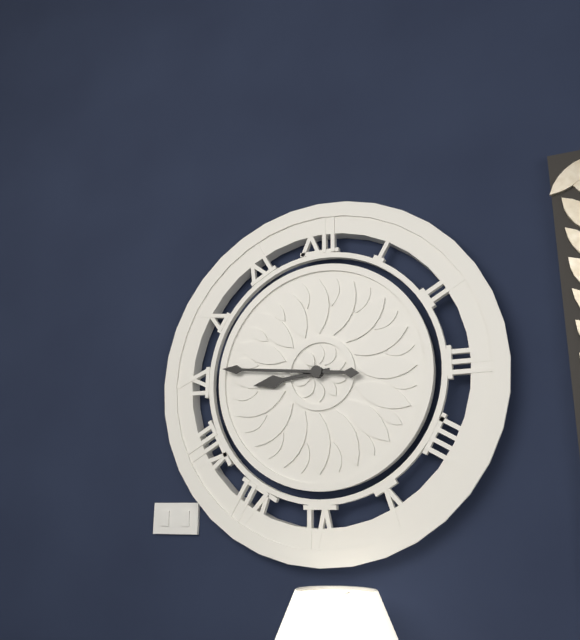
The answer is 8:46
